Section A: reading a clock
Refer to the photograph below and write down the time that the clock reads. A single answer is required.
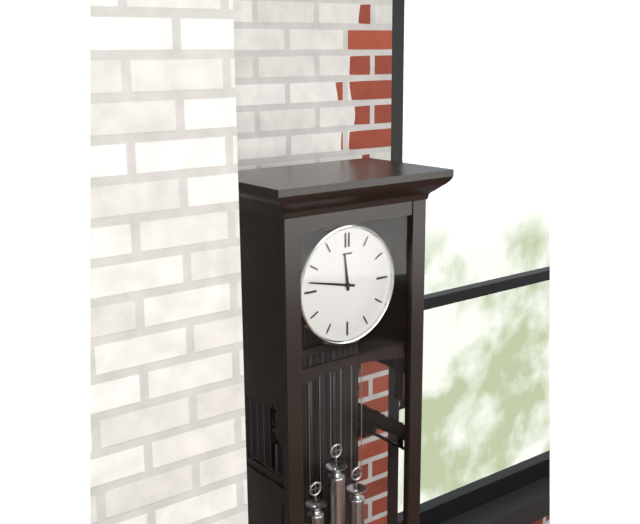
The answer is 11:47
